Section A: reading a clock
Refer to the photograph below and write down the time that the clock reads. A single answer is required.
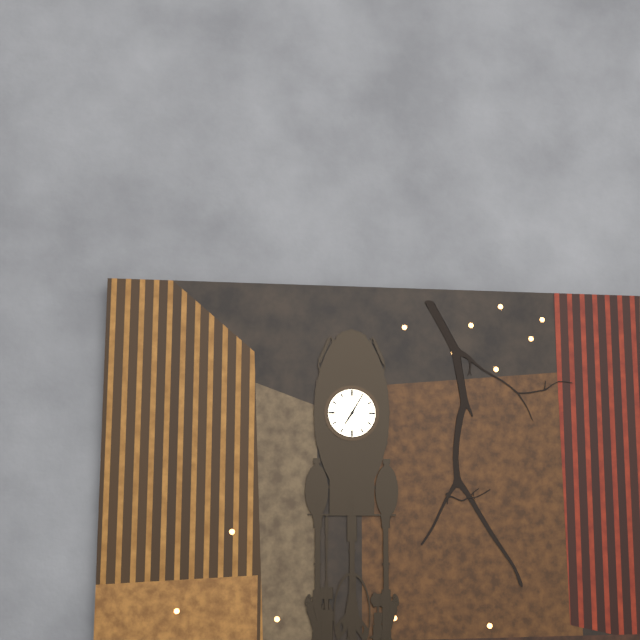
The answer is 7:05
